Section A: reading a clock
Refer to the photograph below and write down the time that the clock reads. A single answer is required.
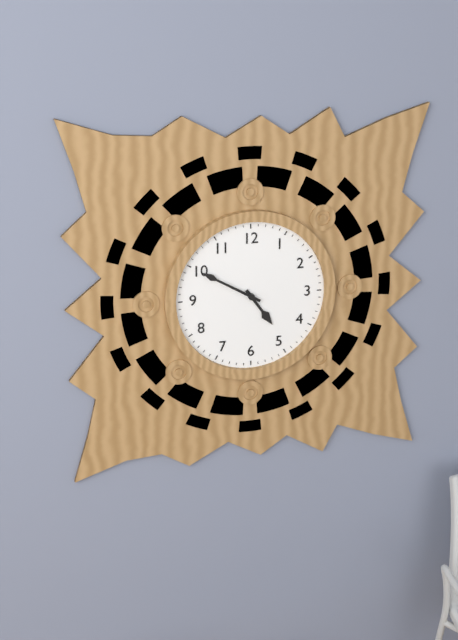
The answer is 4:50
